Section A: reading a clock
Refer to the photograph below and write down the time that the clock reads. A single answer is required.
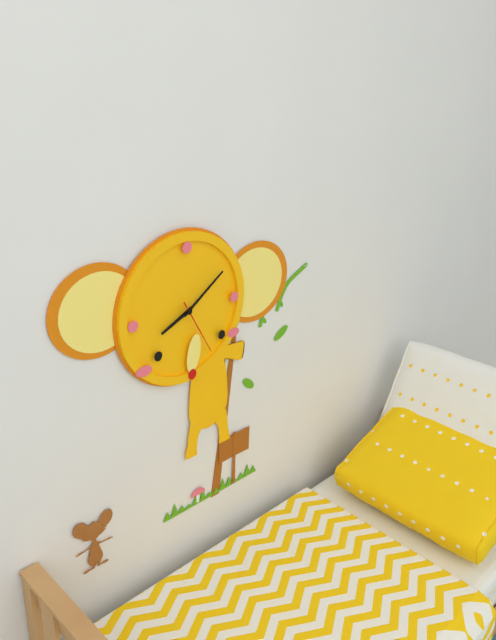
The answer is 8:09:25
